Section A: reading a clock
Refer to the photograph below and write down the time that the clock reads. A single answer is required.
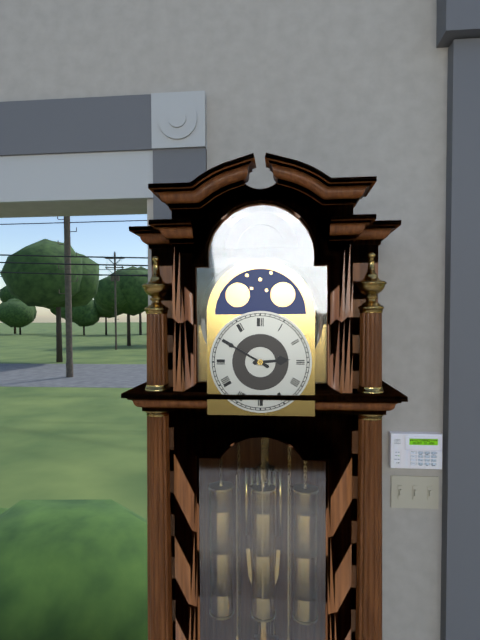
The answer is 2:50
